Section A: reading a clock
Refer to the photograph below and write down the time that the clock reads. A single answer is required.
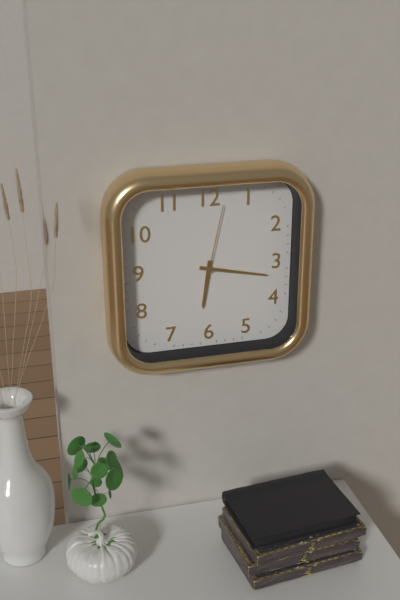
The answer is 6:17:02
